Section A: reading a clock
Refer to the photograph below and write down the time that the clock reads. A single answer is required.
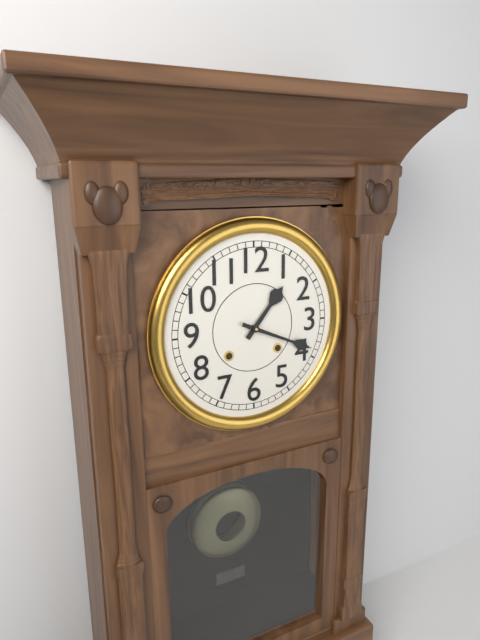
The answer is 1:19
